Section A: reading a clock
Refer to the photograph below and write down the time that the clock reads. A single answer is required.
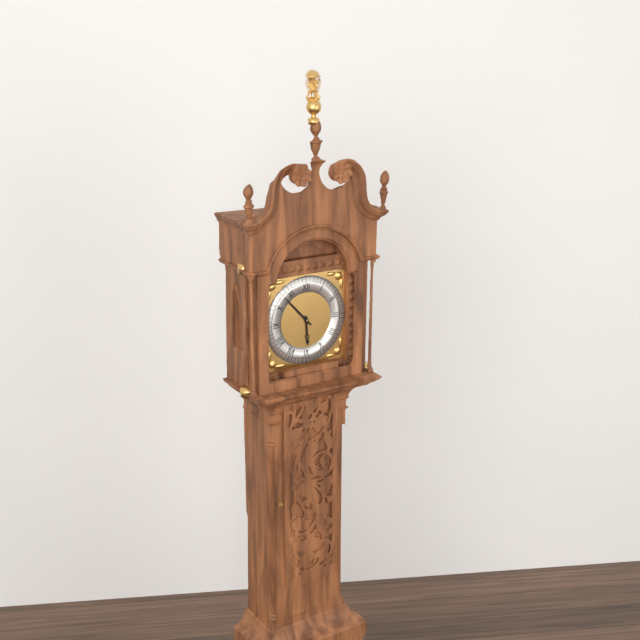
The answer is 5:53
